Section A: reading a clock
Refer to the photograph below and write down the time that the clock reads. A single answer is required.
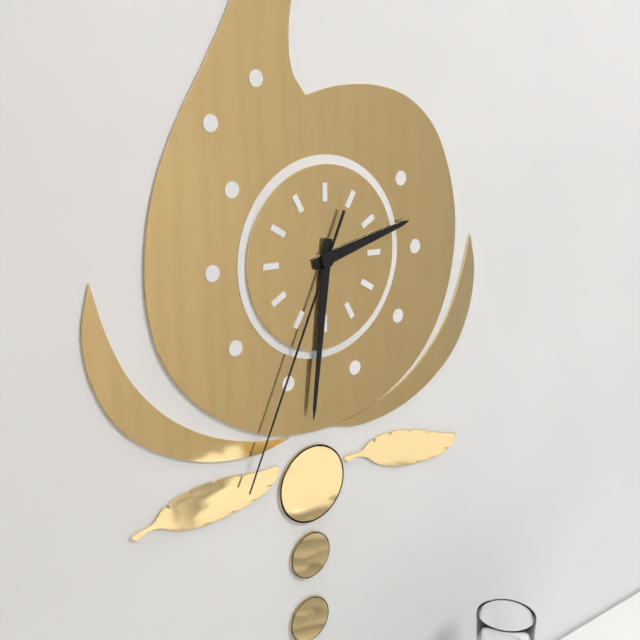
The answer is 2:31:34
